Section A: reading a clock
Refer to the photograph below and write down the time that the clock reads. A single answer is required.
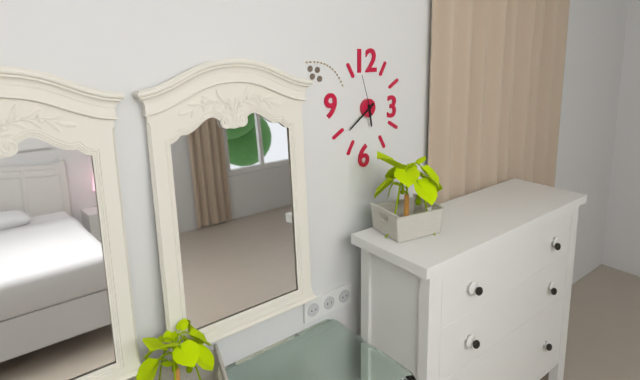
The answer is 5:39
